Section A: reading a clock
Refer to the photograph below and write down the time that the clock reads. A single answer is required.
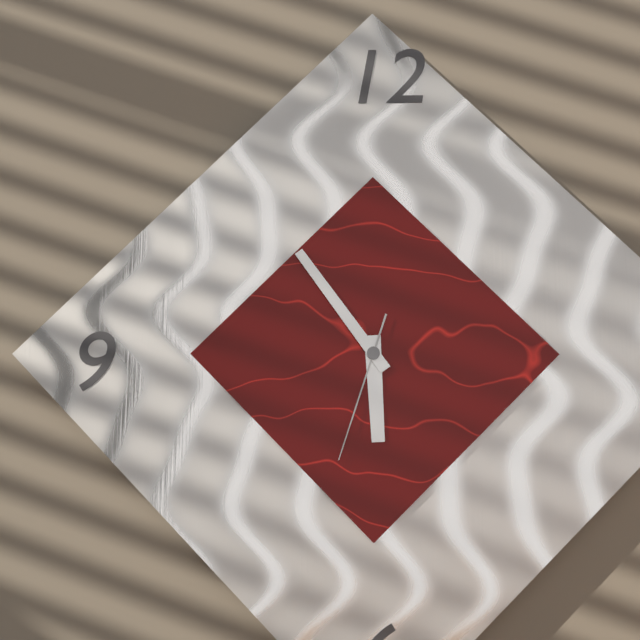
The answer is 5:54:33
